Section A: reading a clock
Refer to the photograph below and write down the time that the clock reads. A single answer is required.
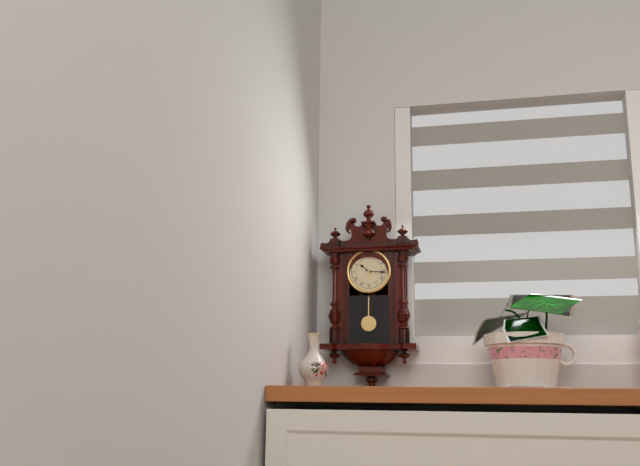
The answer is 10:16
